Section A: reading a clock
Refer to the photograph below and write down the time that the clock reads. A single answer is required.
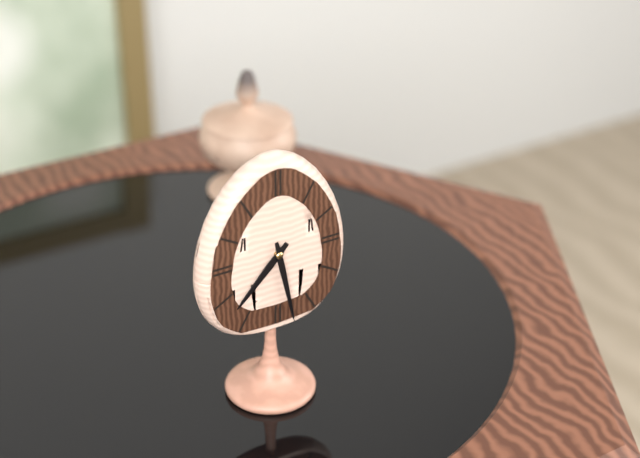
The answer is 7:28
